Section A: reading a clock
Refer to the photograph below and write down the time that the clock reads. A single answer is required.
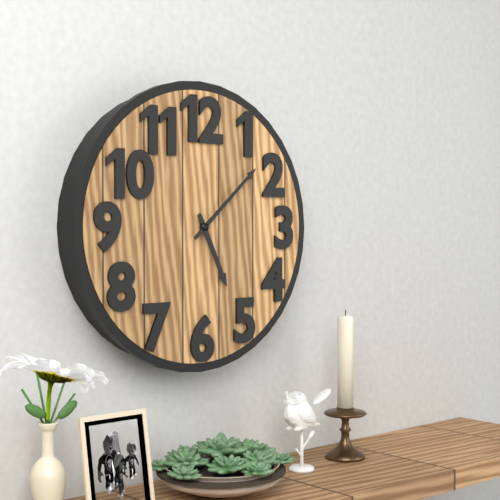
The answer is 5:08
